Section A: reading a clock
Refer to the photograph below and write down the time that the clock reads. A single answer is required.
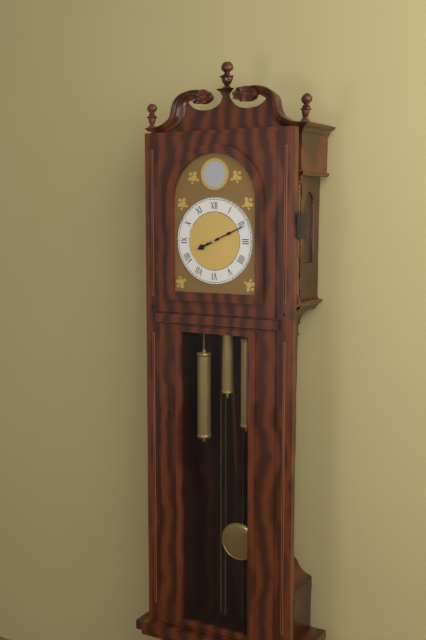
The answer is 8:11
